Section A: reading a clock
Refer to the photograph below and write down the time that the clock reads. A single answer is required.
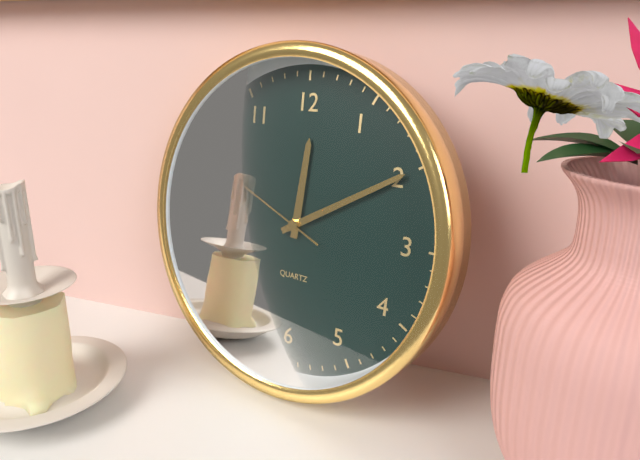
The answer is 12:10:49
